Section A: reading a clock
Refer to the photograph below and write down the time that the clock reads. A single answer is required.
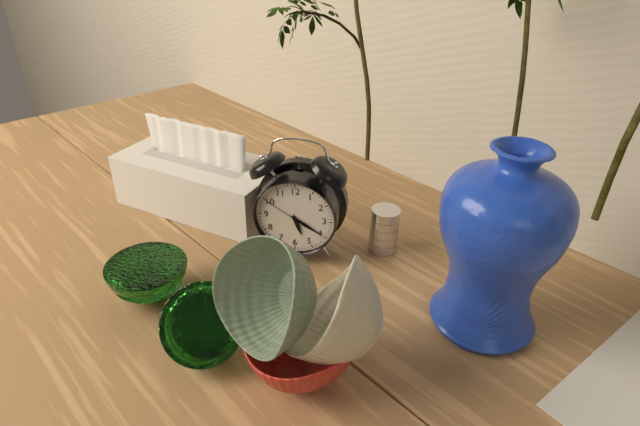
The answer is 5:20
